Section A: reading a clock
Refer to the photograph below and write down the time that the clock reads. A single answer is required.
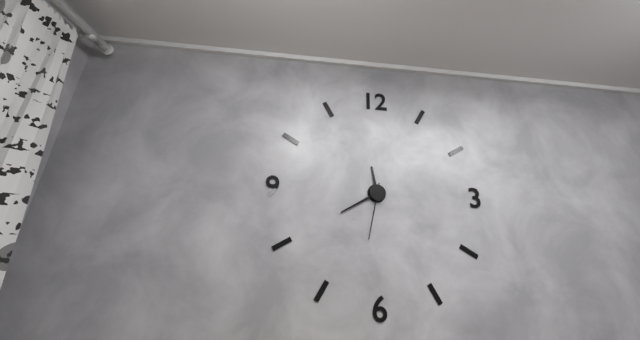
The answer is 11:40:32
